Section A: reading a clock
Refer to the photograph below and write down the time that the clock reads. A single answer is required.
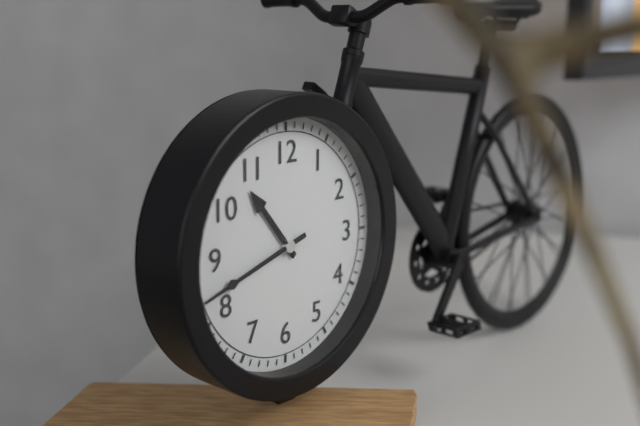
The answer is 10:42
